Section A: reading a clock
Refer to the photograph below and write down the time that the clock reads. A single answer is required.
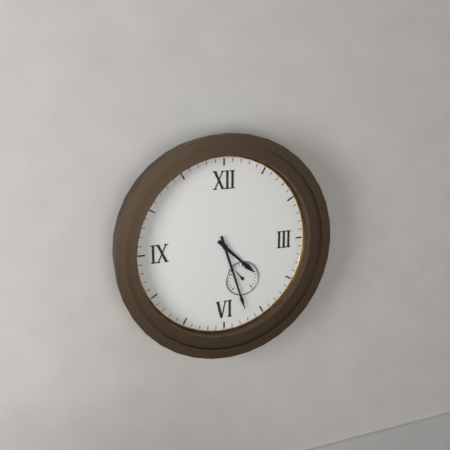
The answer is 4:27
